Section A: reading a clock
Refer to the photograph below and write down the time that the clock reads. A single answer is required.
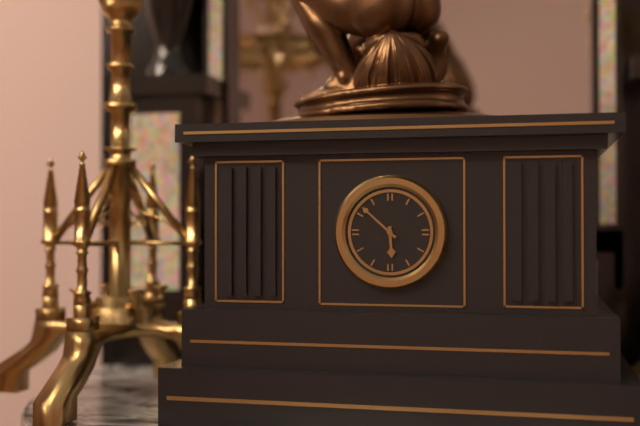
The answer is 5:52
